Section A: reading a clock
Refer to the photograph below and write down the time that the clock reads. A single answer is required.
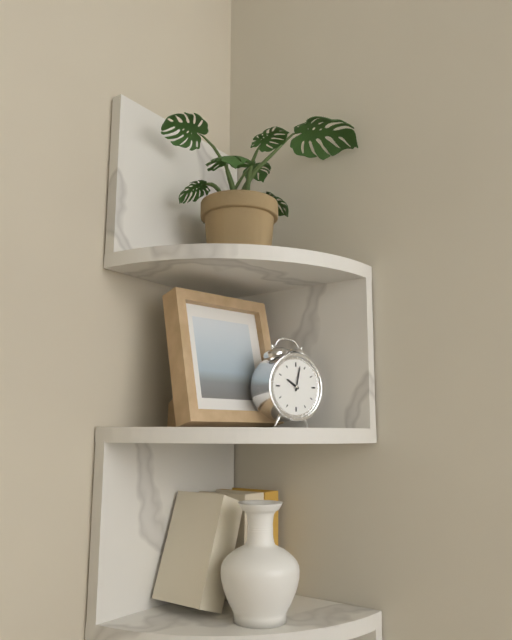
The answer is 10:02
